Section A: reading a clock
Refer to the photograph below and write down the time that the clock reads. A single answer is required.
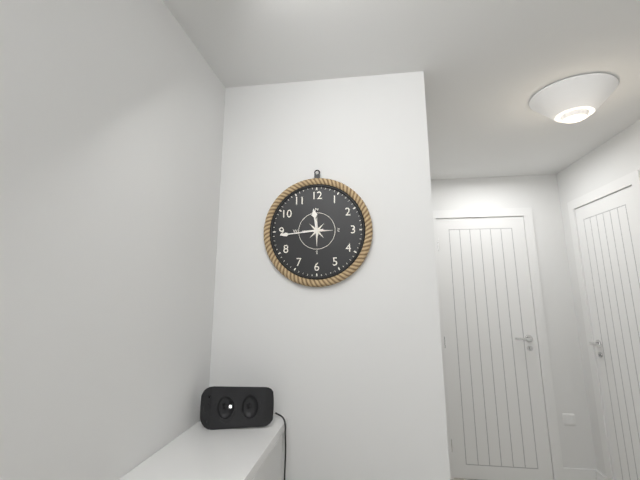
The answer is 11:44
